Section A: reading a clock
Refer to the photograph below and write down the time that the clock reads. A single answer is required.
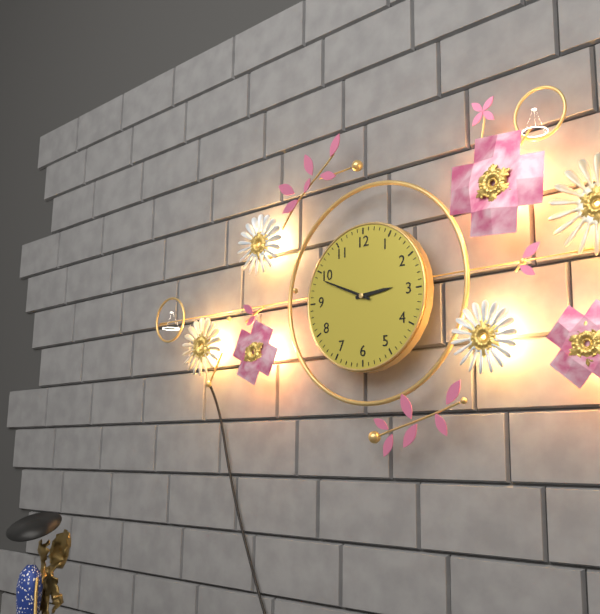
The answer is 2:49
